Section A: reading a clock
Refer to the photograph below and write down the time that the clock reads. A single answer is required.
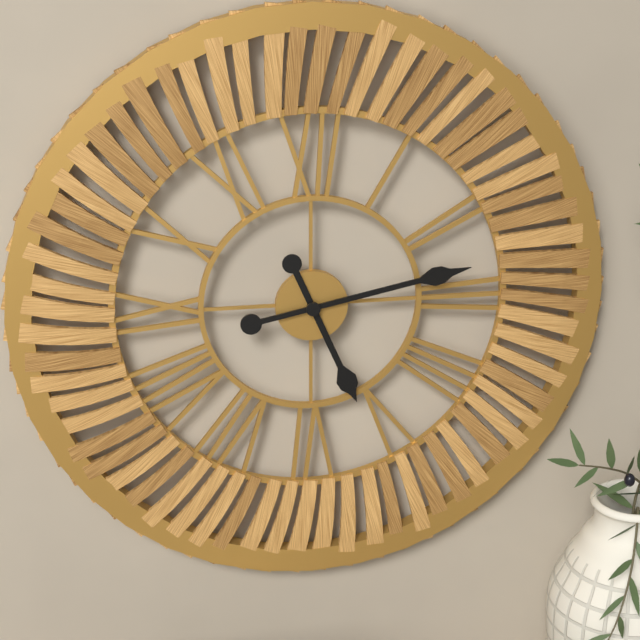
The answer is 5:13
